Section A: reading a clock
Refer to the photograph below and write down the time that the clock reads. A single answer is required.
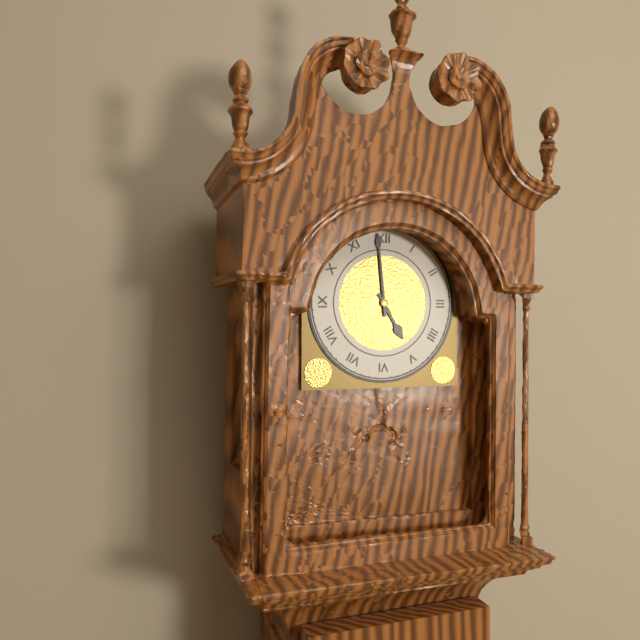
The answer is 4:59
